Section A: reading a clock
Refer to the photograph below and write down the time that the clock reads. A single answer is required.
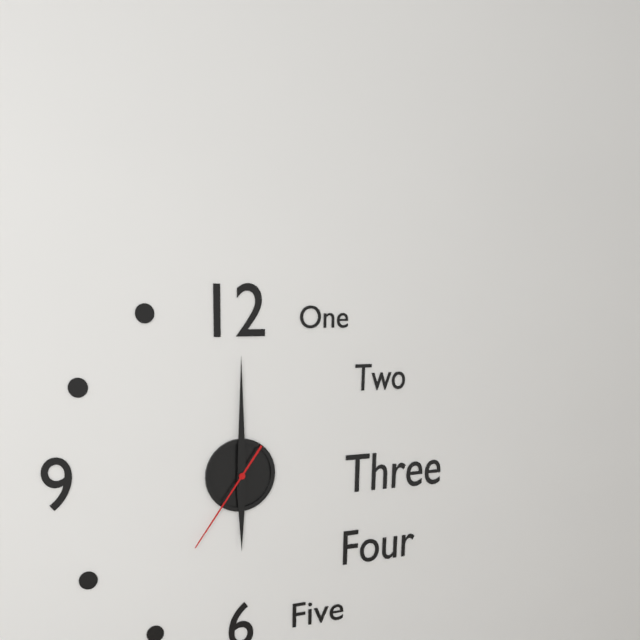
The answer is 6:00:36
